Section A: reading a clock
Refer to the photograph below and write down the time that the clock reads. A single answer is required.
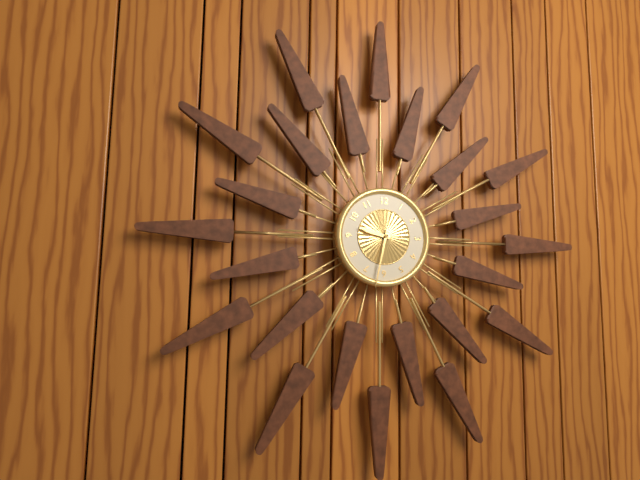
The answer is 9:32
